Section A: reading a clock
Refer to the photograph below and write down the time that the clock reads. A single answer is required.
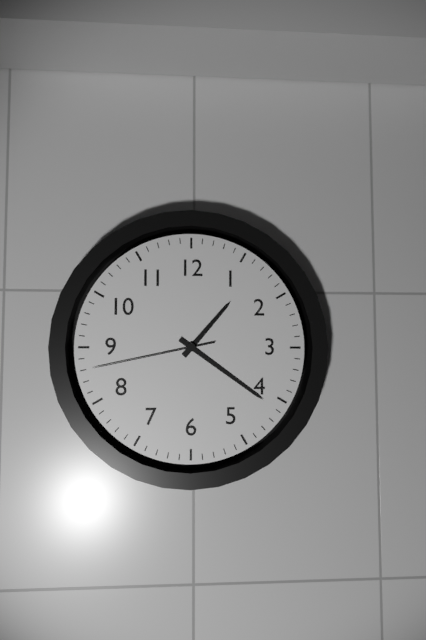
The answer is 1:21:43
